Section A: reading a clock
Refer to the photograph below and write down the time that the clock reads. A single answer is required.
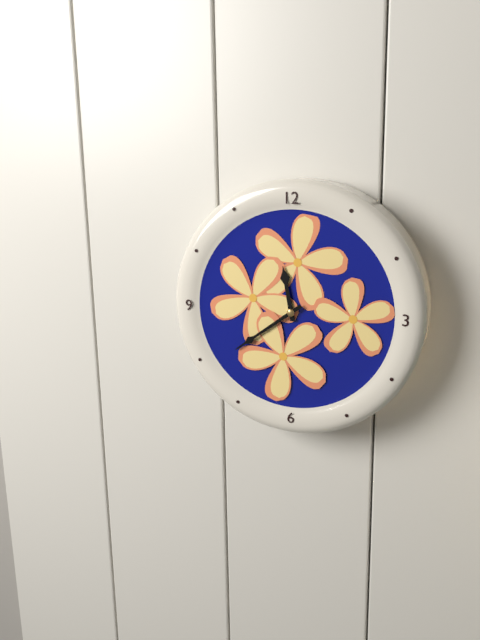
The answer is 11:39
